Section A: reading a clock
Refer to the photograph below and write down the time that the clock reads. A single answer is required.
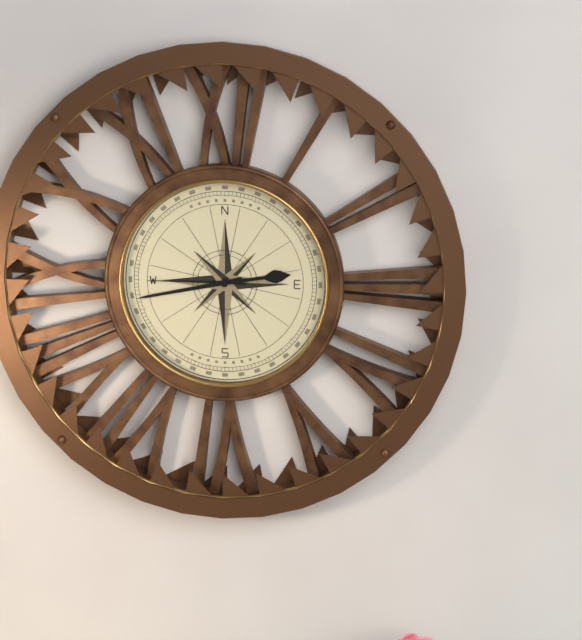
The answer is 2:43:45
